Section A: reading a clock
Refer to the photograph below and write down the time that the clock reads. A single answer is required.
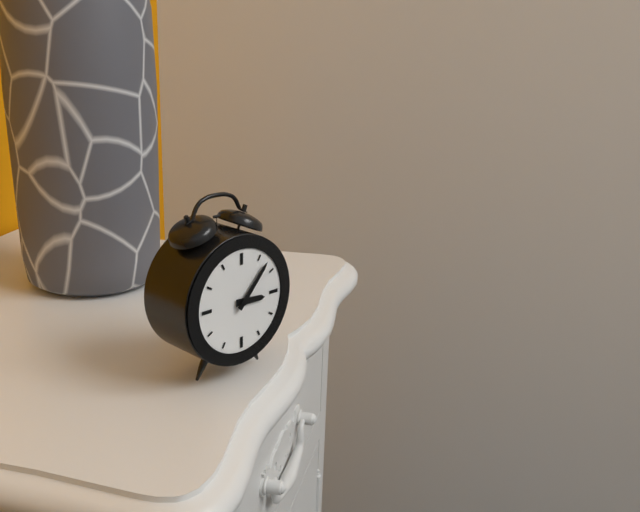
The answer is 3:07
